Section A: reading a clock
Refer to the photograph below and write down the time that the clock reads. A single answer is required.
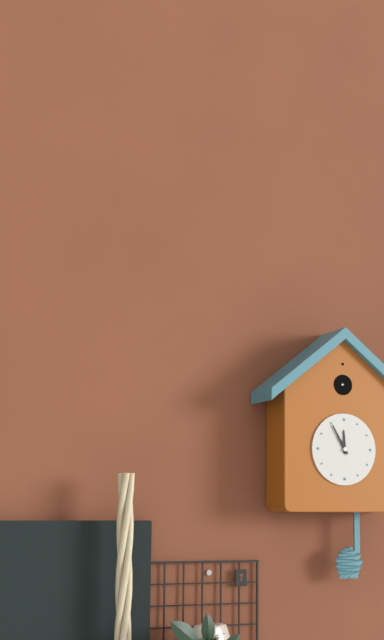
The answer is 11:55
